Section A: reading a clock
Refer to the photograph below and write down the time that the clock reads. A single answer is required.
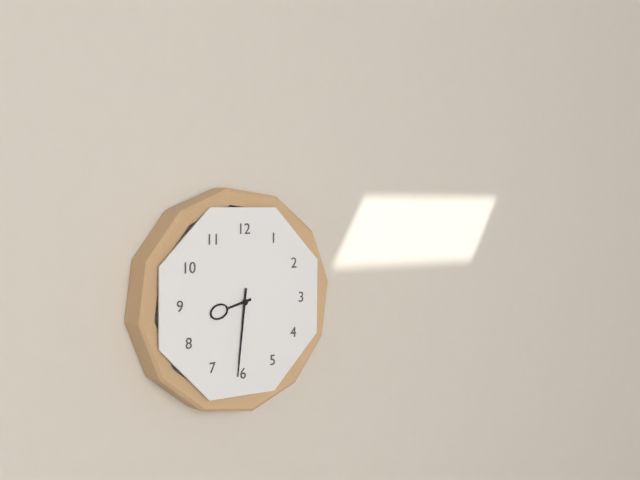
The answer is 8:31
